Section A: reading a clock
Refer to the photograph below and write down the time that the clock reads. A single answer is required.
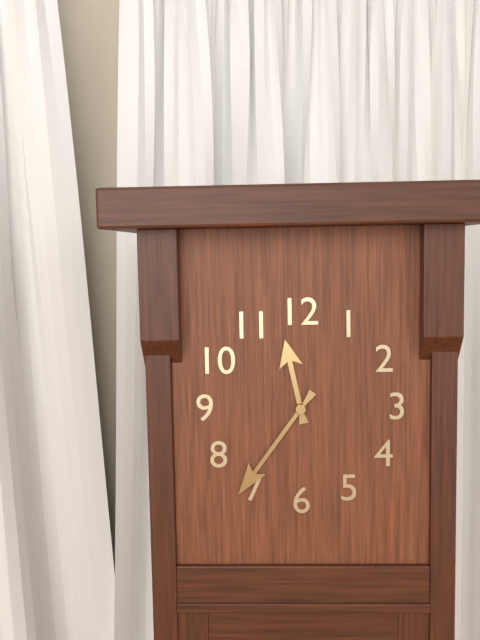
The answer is 11:36
